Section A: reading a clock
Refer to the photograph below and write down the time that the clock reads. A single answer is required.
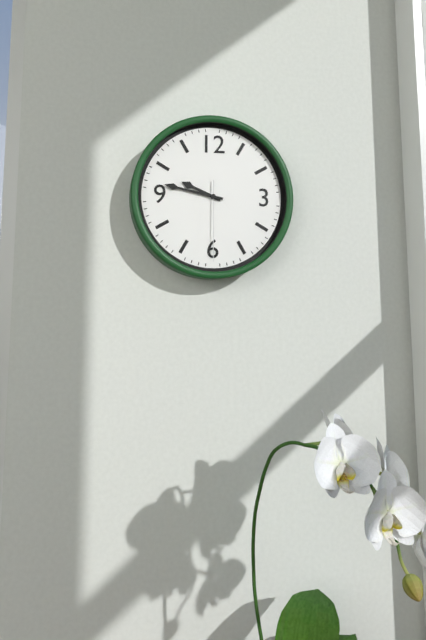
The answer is 9:47:30
